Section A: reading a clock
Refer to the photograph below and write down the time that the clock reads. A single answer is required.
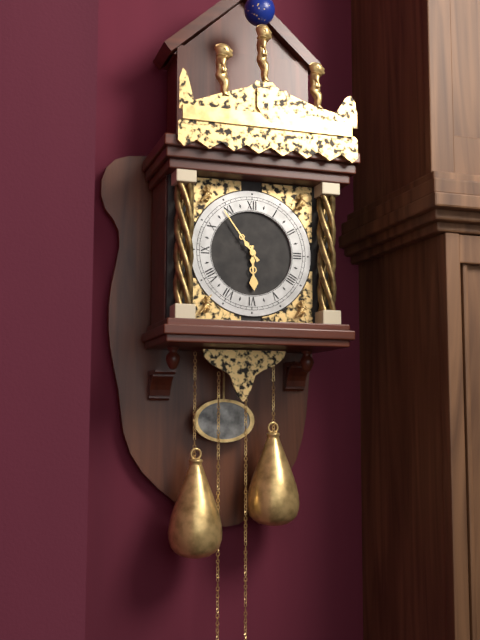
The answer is 5:54
